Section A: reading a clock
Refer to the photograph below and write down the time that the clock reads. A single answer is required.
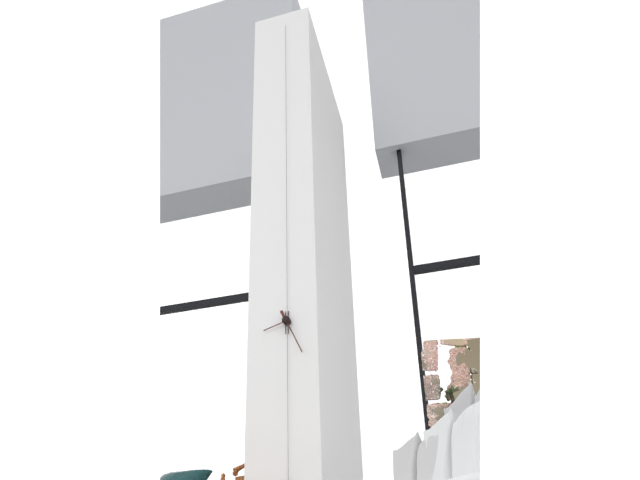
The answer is 8:26
